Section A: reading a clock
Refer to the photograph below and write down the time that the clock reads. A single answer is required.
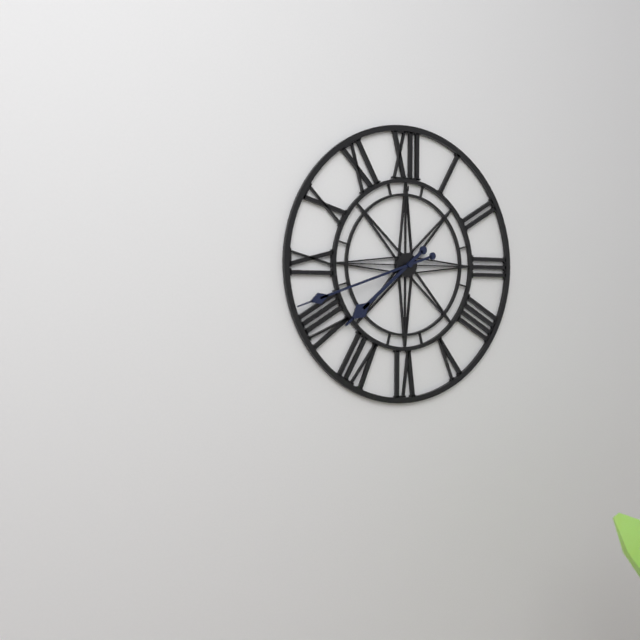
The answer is 7:42
